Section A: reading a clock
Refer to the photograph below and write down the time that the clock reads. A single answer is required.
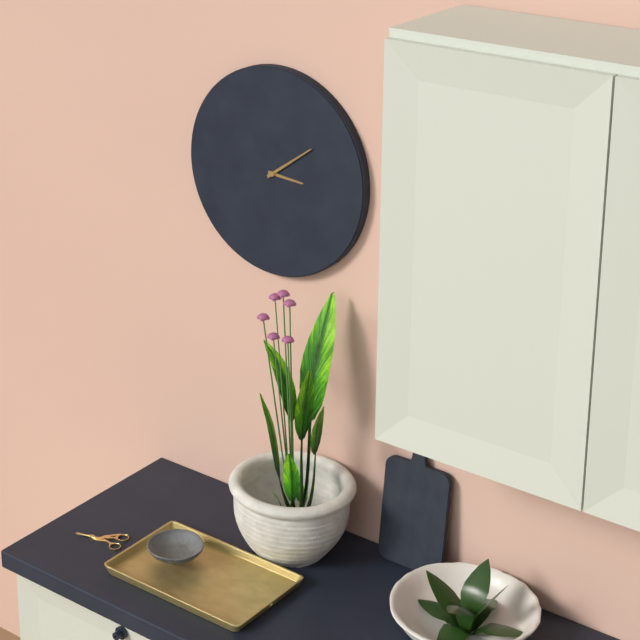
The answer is 3:09
